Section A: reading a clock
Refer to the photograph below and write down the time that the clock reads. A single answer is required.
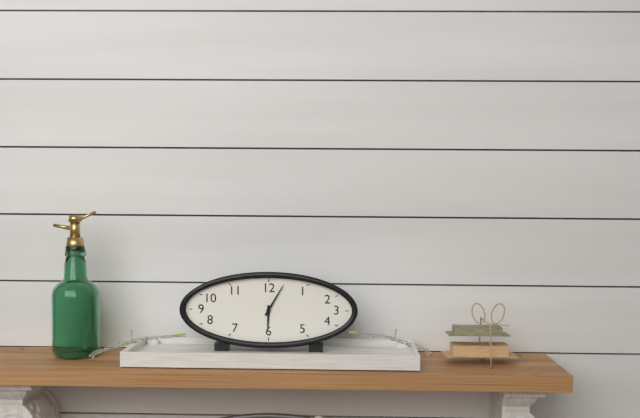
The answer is 6:05
